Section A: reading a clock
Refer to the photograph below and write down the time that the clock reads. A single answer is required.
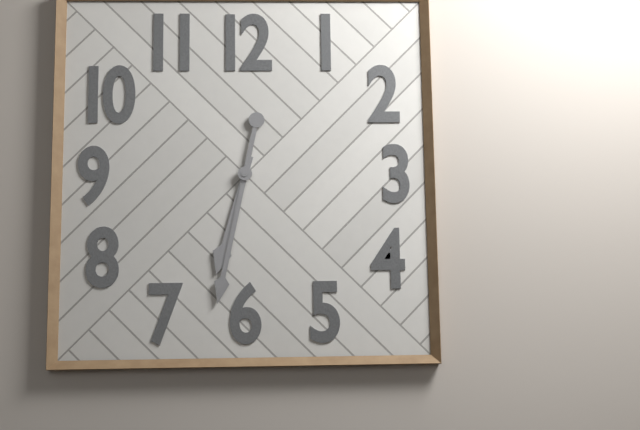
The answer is 6:32
